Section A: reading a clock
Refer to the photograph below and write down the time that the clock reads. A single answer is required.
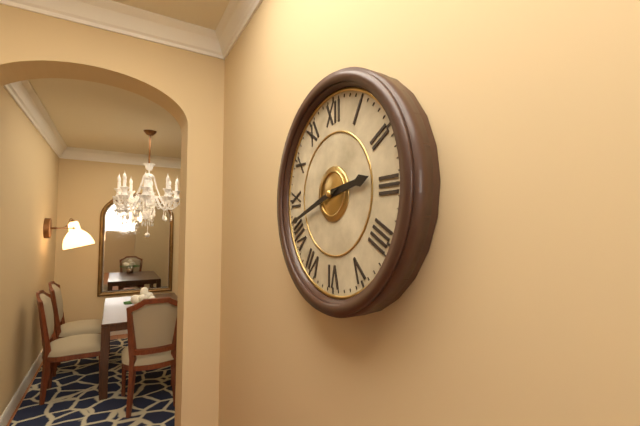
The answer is 2:42
